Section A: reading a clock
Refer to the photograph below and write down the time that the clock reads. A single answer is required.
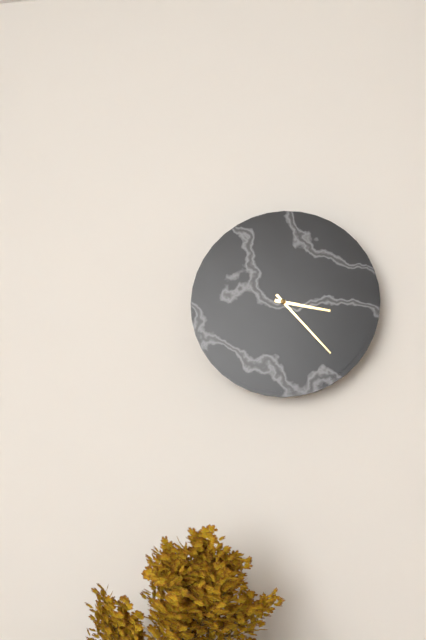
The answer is 3:23
